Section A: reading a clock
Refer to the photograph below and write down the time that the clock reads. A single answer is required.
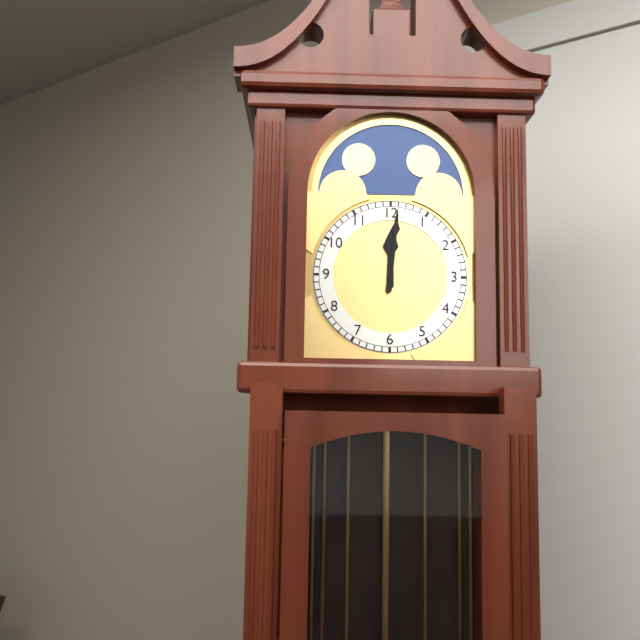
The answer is 12:01
